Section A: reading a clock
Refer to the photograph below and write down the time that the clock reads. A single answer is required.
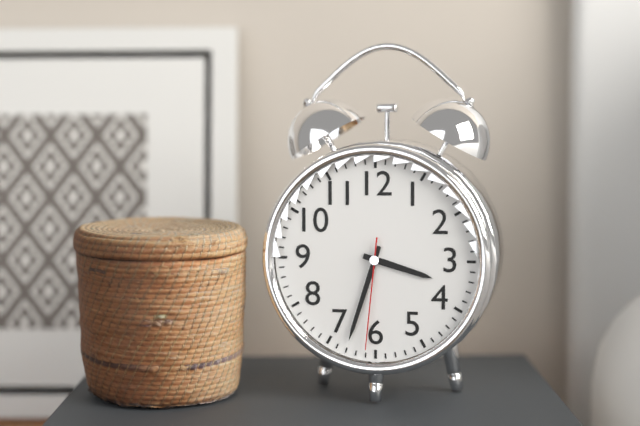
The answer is 3:33:31
